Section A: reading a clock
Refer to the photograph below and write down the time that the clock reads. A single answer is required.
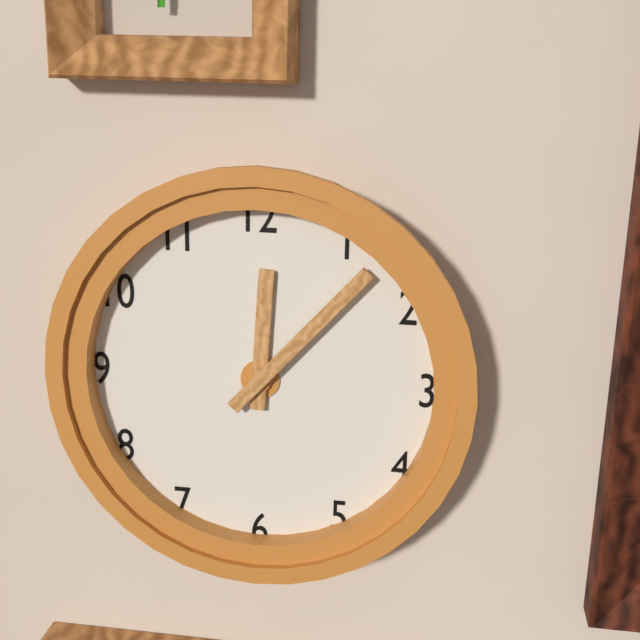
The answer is 12:07
